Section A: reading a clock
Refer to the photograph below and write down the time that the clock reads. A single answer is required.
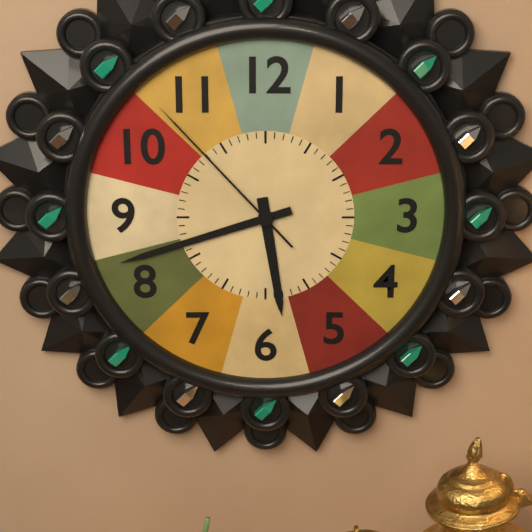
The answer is 5:42:53
